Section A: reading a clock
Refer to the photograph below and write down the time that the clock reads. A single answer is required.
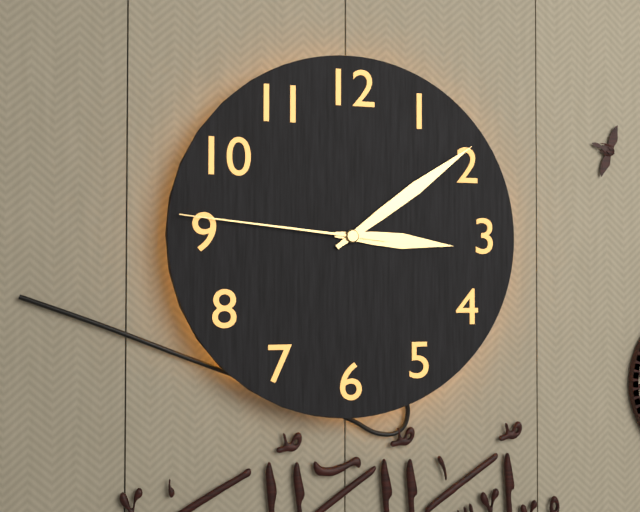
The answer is 3:09:46
